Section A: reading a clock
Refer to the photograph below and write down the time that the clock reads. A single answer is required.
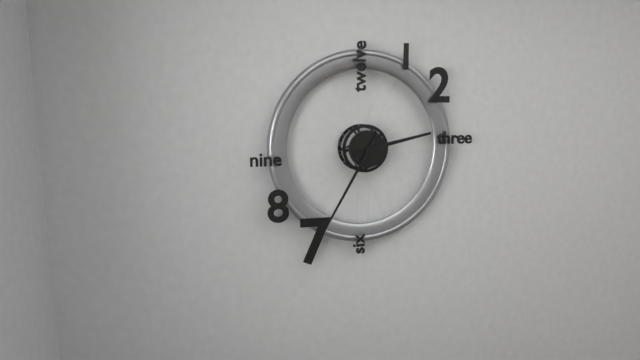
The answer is 2:35
